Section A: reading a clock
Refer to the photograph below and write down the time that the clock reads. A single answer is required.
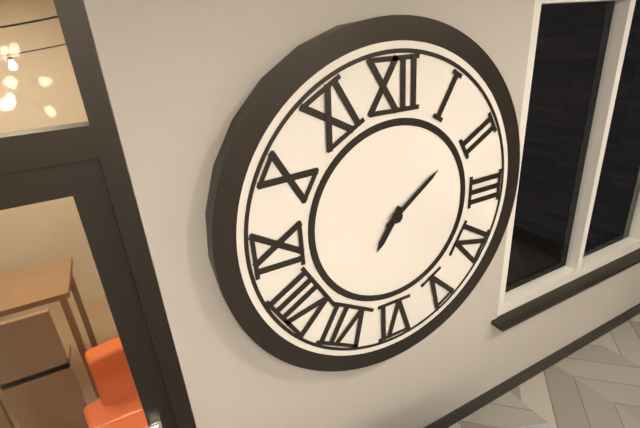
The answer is 7:09
